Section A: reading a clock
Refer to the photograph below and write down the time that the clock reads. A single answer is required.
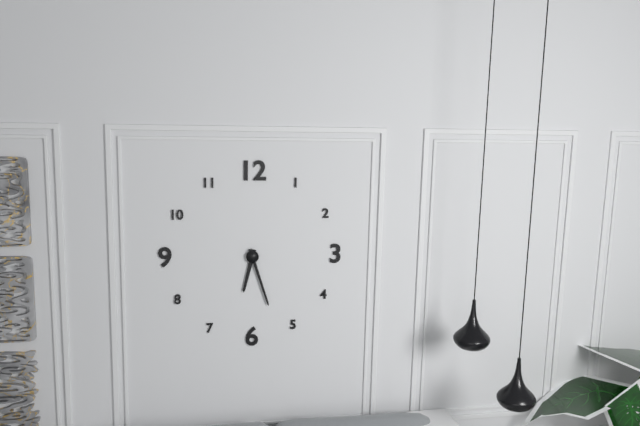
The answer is 6:27
